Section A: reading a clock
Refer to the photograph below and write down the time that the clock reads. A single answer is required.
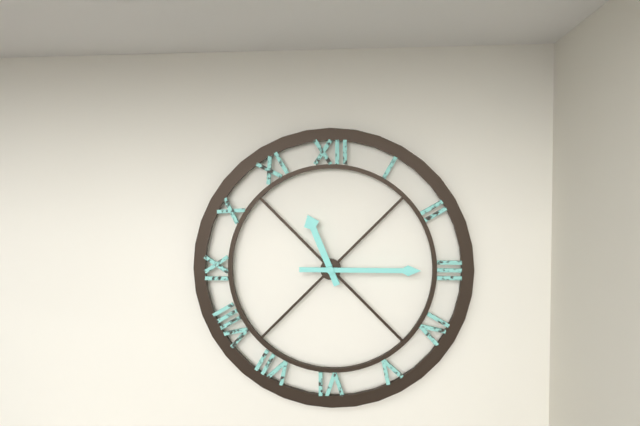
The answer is 11:15
